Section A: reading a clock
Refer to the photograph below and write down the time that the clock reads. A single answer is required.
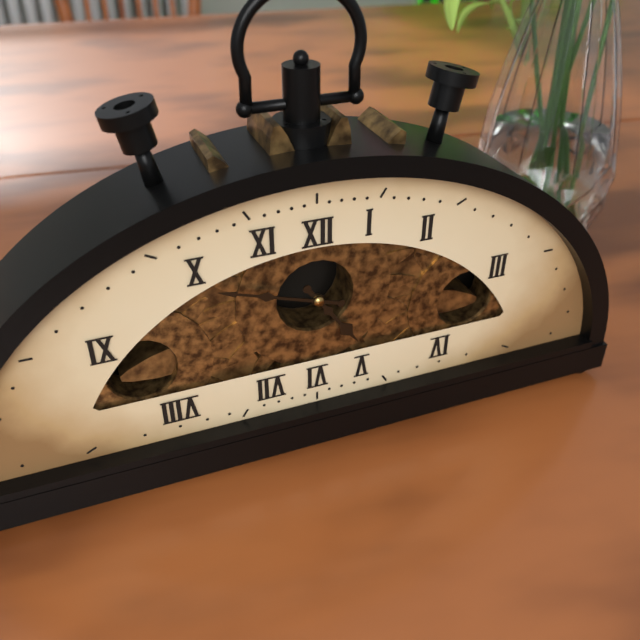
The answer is 4:48
